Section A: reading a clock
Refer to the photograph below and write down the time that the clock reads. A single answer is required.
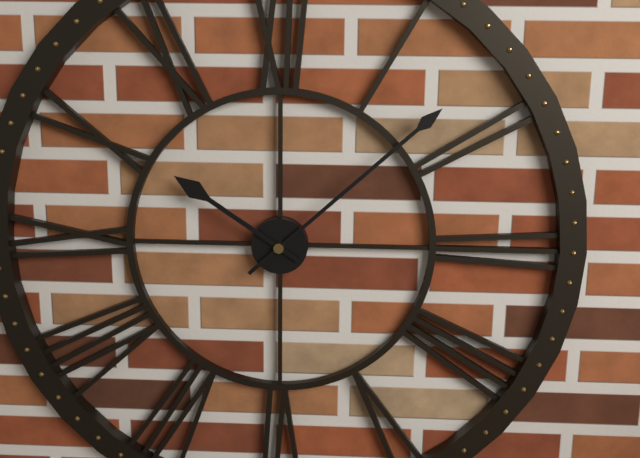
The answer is 10:08
